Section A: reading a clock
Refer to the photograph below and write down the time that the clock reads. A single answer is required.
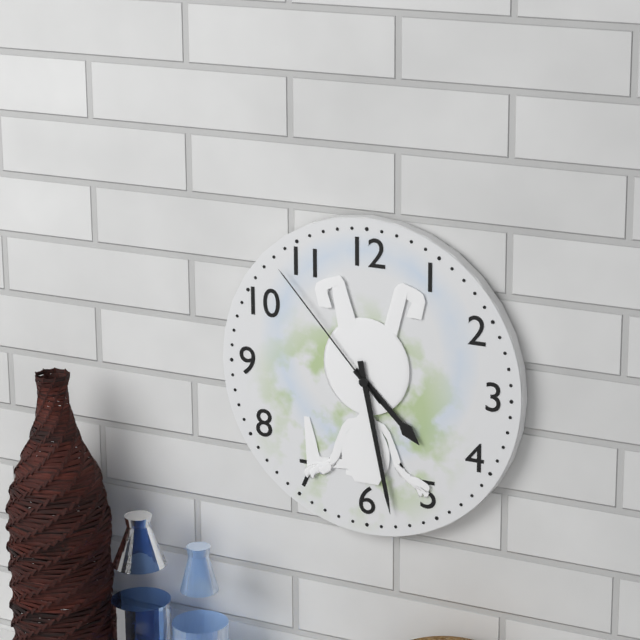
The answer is 4:28:53
